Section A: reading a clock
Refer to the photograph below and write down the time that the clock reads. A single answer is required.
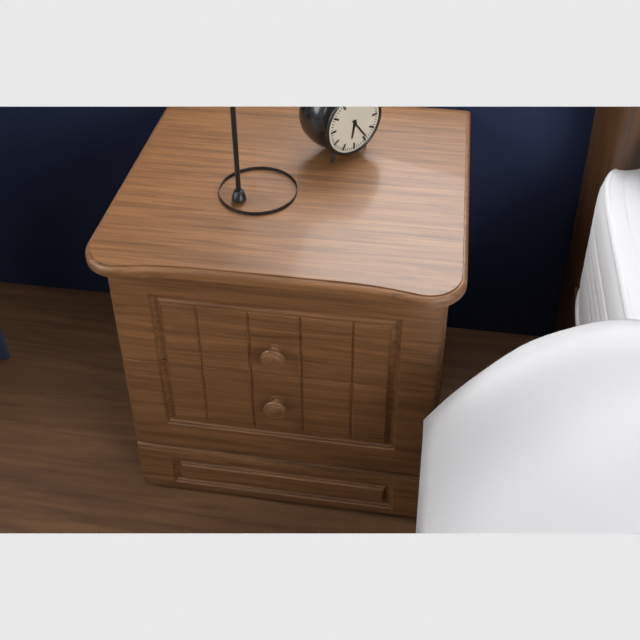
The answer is 6:24
